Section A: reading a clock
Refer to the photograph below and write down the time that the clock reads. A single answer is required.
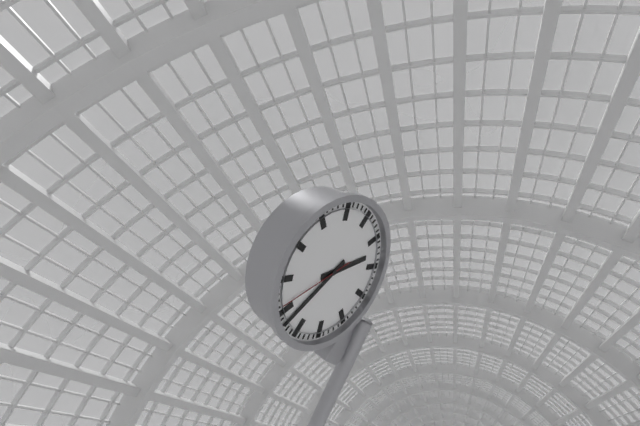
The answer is 1:33:36
